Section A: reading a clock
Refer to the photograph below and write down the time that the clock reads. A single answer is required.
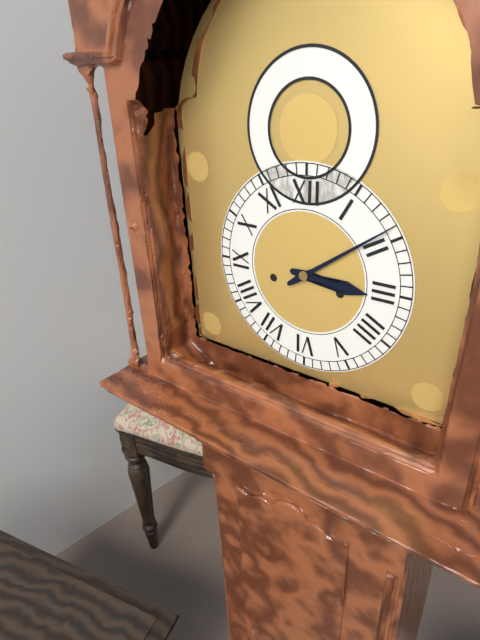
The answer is 3:09
